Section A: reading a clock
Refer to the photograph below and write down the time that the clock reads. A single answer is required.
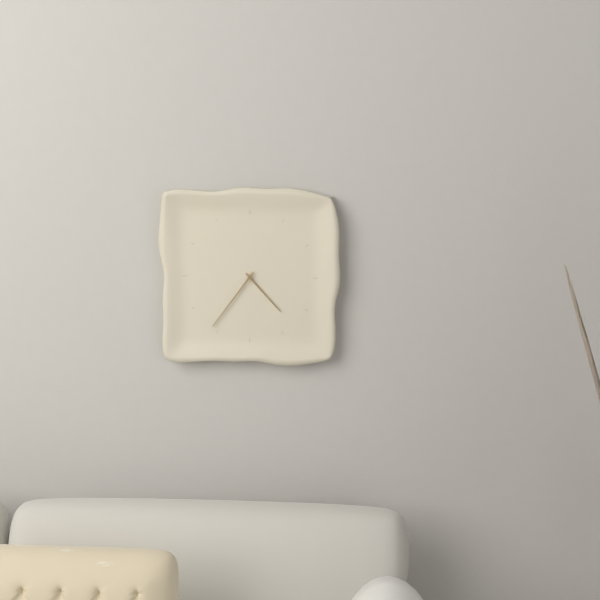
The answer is 4:36
